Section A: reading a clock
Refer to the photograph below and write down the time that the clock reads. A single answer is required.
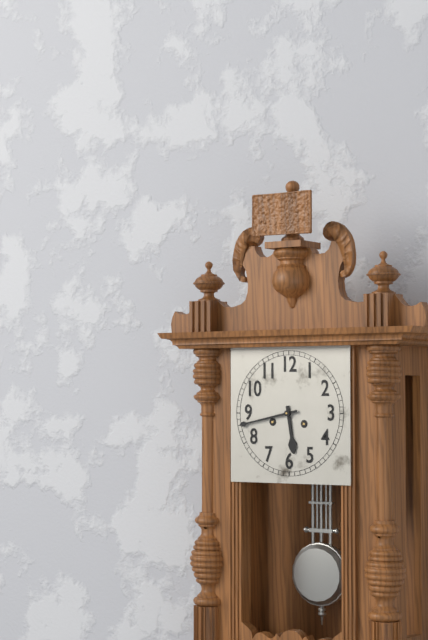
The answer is 5:43
